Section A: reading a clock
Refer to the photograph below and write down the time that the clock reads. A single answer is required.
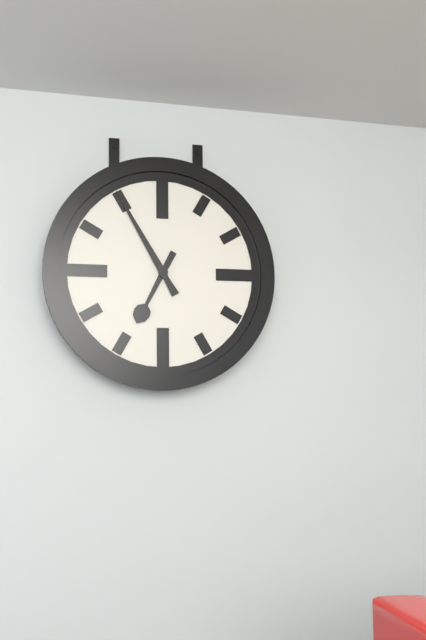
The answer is 6:55
